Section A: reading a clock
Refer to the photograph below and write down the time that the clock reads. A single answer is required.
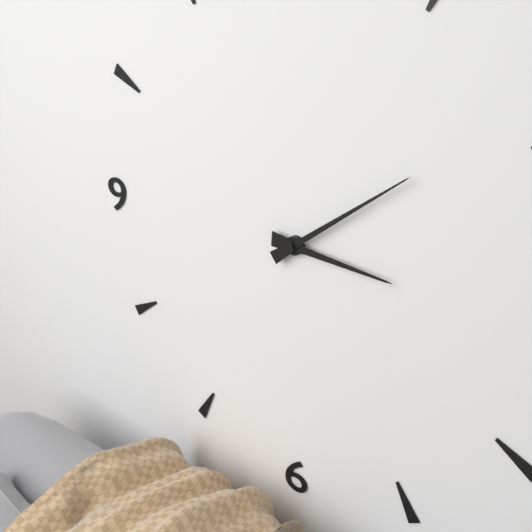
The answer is 3:09
